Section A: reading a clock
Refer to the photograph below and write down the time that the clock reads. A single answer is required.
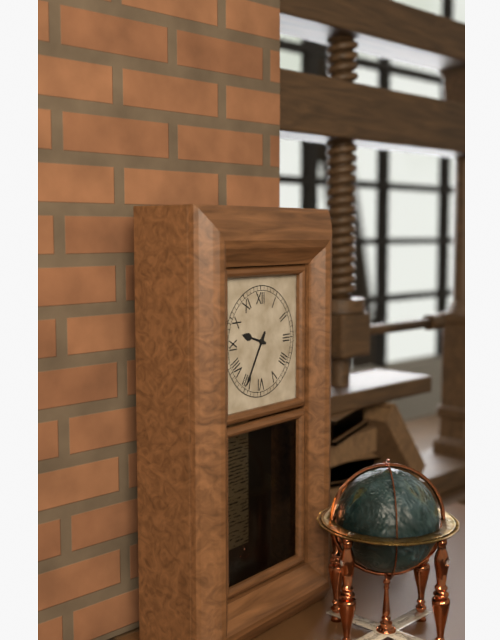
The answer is 9:35
